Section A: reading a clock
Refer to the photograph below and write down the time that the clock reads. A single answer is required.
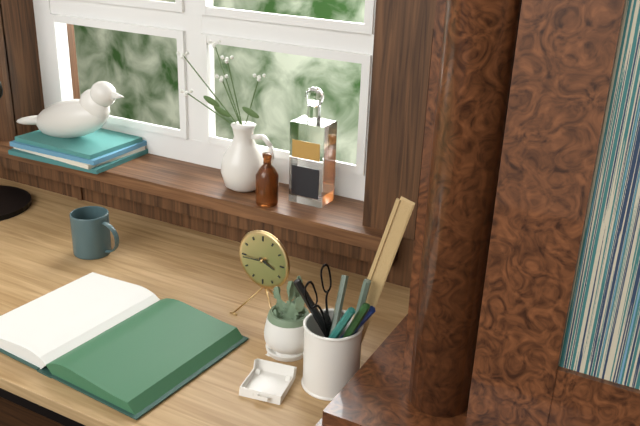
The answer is 3:44
